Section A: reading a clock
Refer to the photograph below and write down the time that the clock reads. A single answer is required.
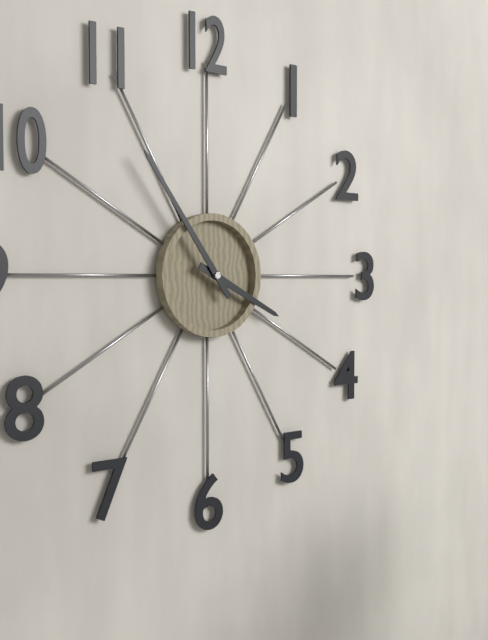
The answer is 3:54
